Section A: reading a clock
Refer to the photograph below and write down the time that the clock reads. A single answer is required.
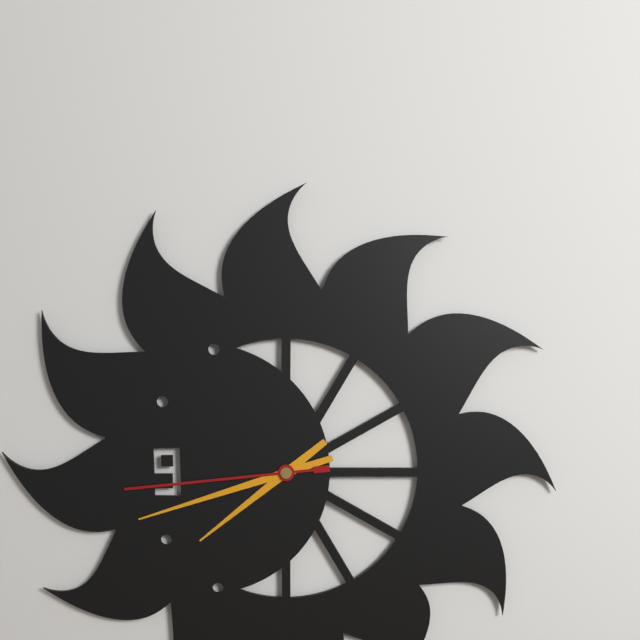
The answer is 7:42:44
